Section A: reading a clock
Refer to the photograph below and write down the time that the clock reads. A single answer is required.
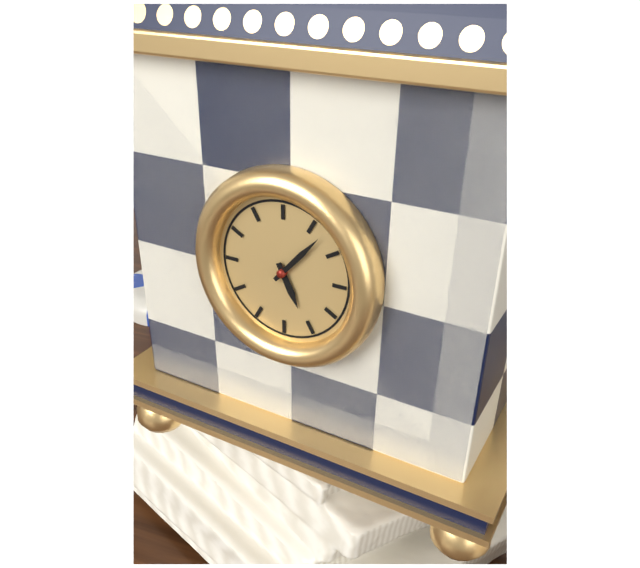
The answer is 5:07
